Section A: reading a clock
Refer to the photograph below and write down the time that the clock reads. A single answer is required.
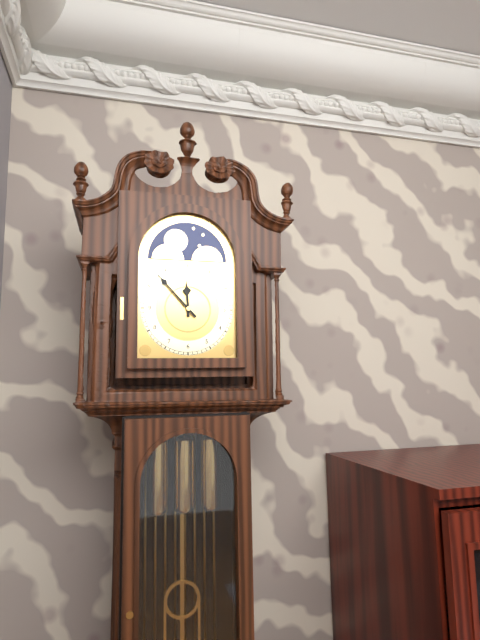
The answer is 11:53
